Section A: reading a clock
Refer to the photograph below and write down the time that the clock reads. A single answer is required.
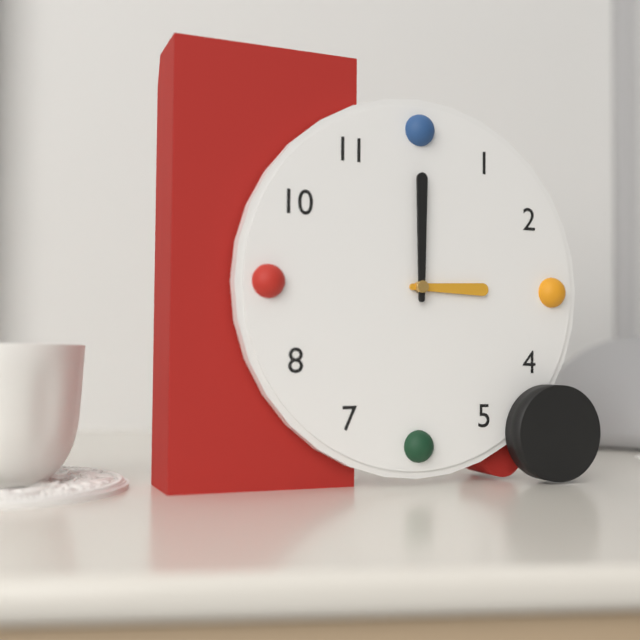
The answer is 3:00
